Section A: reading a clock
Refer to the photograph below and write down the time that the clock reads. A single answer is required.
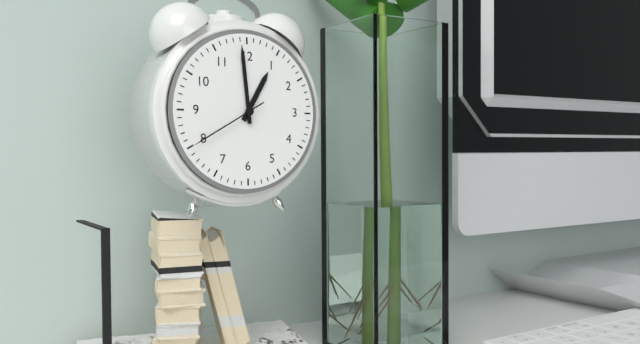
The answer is 12:59:40
